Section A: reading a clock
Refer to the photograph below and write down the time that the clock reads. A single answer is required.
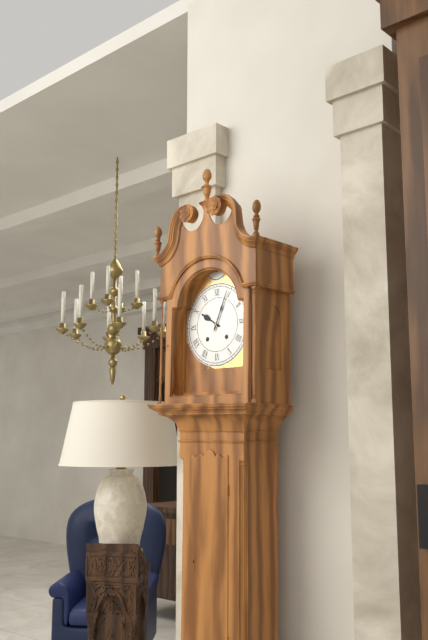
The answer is 10:04
